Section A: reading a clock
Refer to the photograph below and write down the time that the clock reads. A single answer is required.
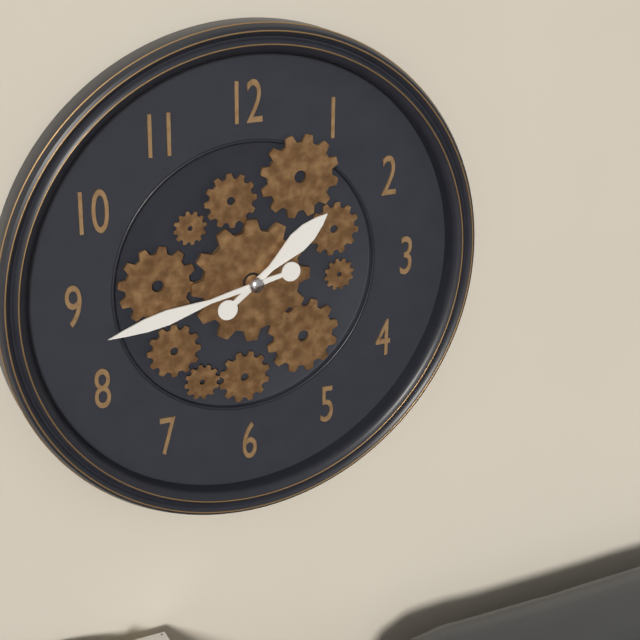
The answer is 1:43
